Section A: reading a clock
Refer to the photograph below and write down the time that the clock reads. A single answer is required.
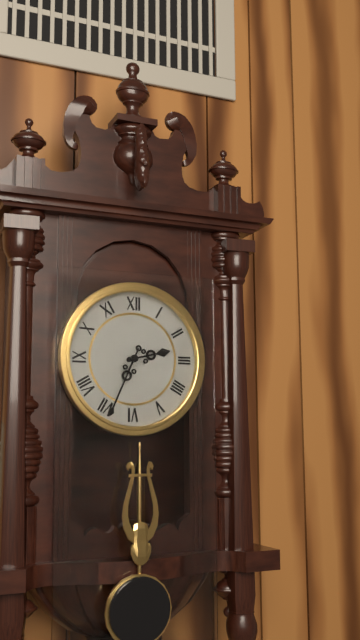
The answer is 2:34
